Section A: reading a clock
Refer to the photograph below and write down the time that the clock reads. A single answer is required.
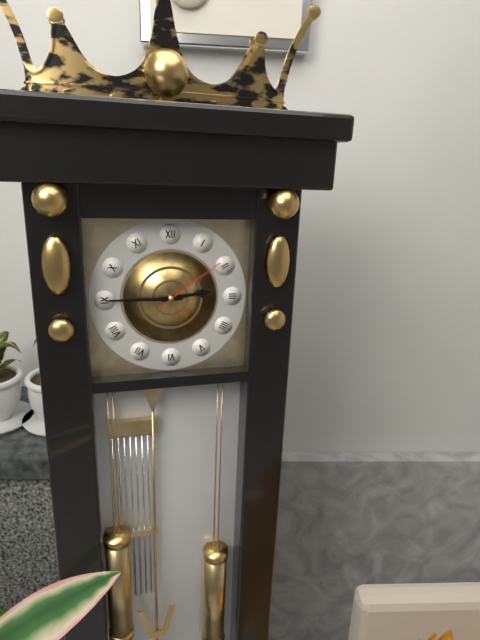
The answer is 2:45:09
